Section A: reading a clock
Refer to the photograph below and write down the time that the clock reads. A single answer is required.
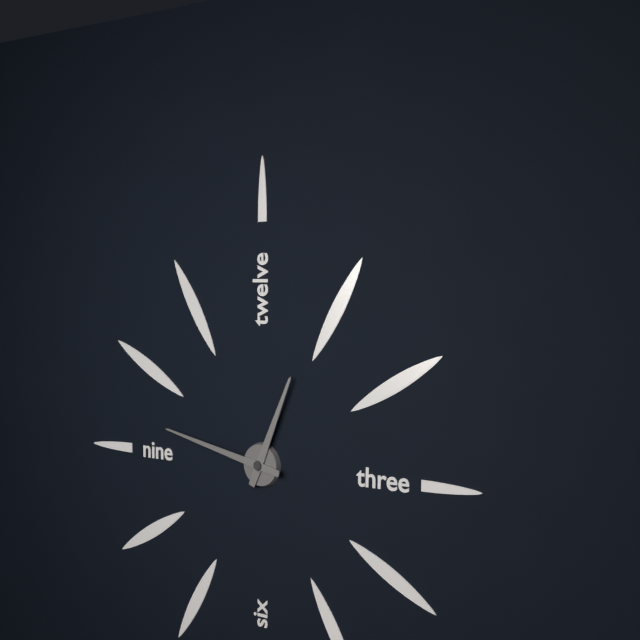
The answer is 12:47
